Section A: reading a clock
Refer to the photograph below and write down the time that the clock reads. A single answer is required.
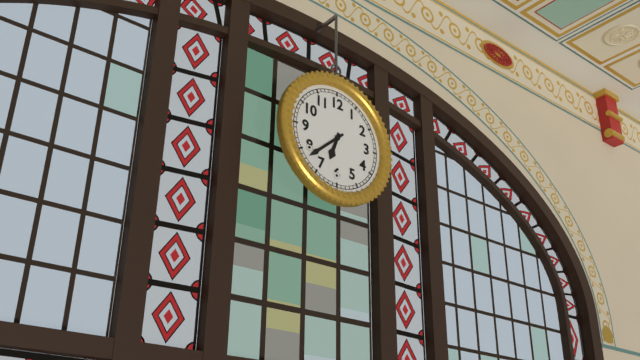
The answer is 6:38
